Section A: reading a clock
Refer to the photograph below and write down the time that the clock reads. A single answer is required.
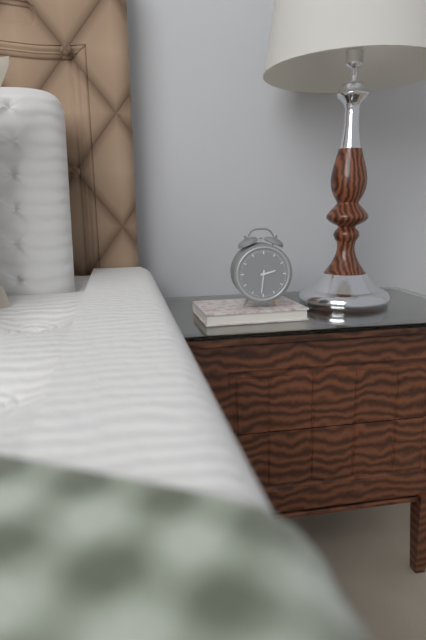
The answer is 2:31
